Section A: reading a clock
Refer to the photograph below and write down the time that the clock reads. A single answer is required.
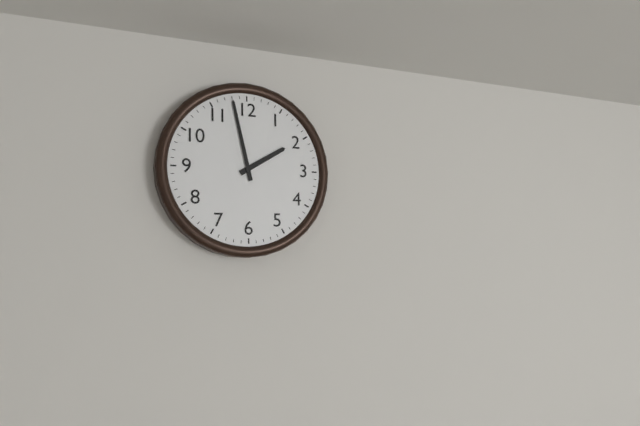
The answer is 1:58
